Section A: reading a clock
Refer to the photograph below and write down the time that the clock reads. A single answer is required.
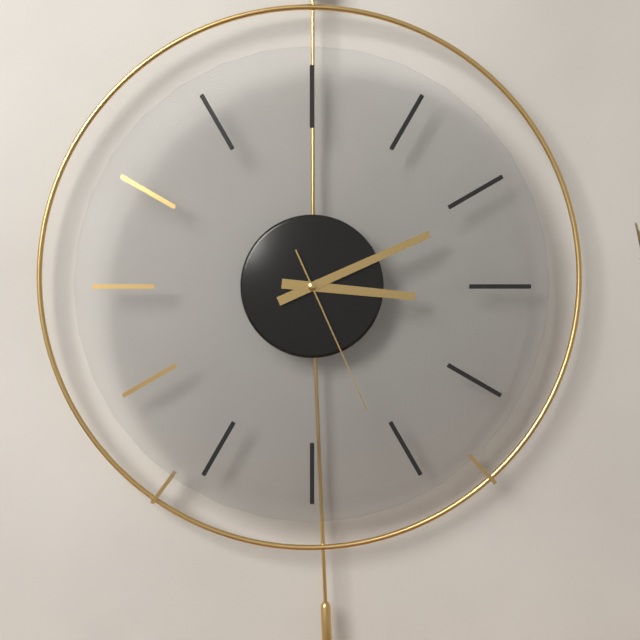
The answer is 3:11:26
